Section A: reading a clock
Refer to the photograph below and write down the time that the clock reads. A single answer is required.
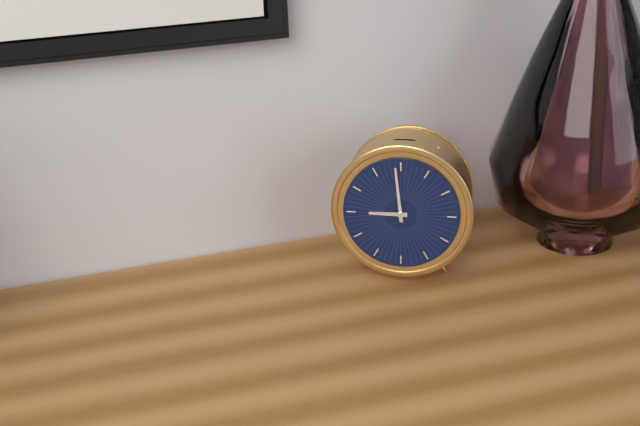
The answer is 8:59
